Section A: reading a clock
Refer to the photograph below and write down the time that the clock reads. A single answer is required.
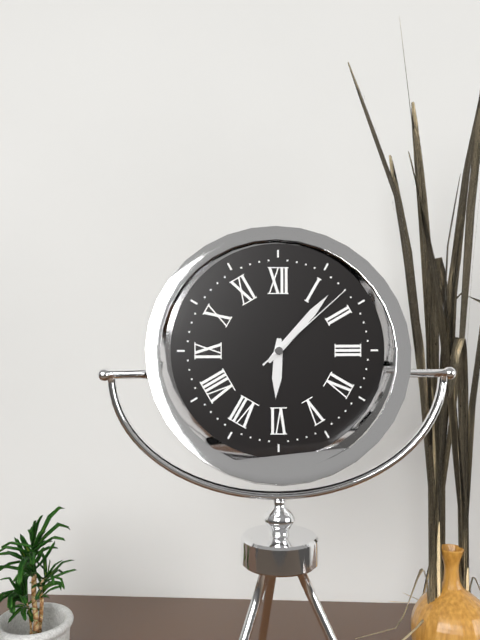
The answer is 6:07:08
